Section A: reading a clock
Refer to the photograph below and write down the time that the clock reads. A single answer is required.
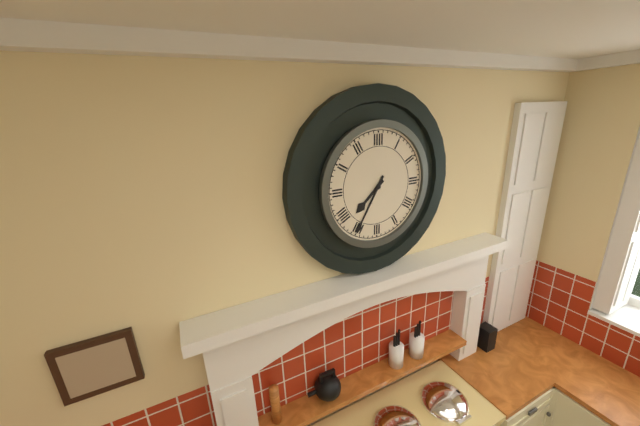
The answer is 7:35
